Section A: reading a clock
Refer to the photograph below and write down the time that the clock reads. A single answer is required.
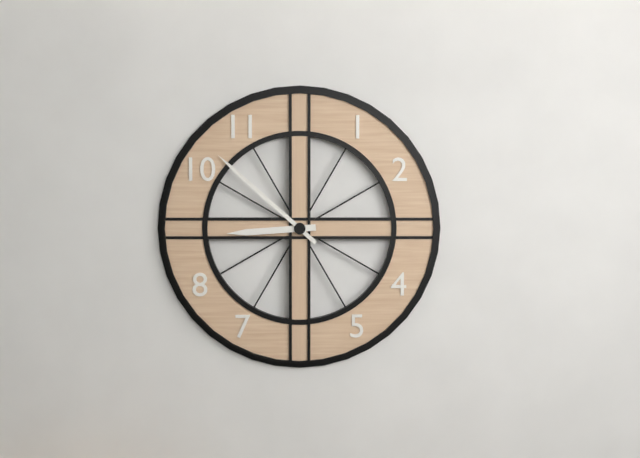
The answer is 8:52
